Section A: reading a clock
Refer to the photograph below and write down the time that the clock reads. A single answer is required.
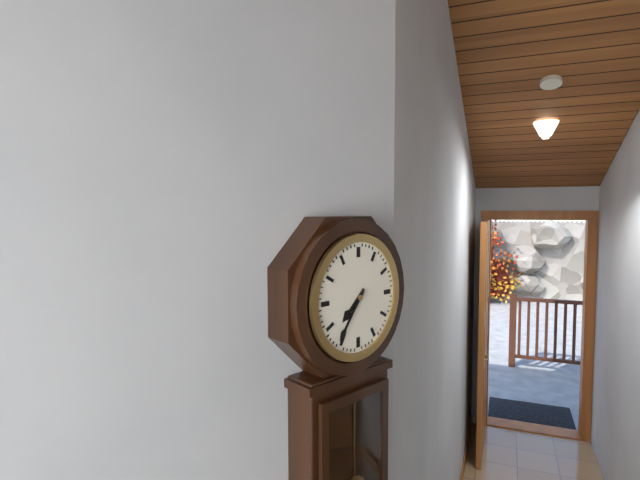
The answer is 7:36
